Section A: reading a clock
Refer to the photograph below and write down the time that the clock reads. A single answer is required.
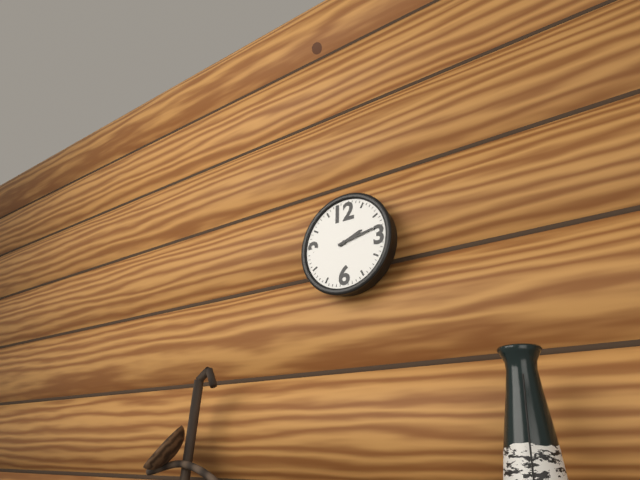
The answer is 2:13
